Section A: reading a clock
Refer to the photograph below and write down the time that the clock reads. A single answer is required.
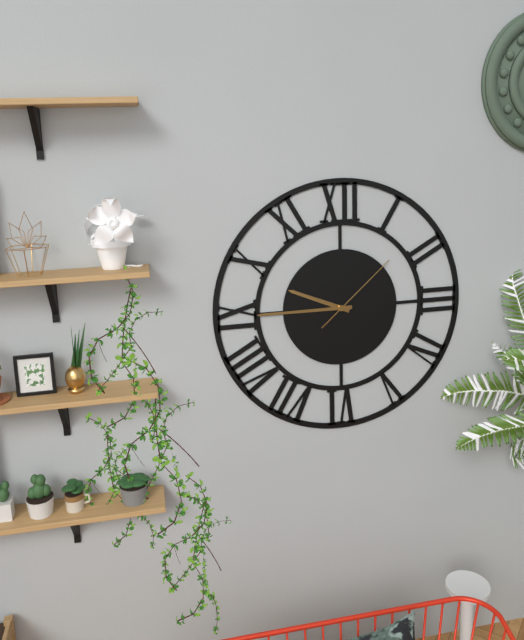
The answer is 9:45:08
